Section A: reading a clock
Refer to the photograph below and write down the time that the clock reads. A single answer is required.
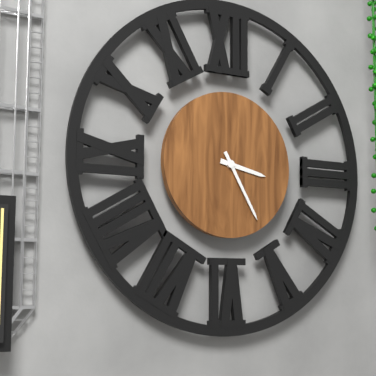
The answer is 3:25
